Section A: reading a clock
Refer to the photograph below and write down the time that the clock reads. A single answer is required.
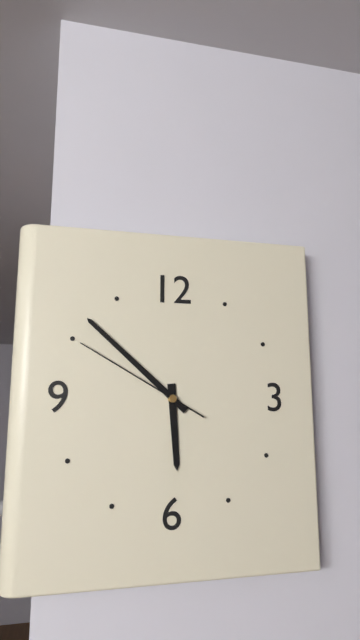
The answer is 5:52:50
